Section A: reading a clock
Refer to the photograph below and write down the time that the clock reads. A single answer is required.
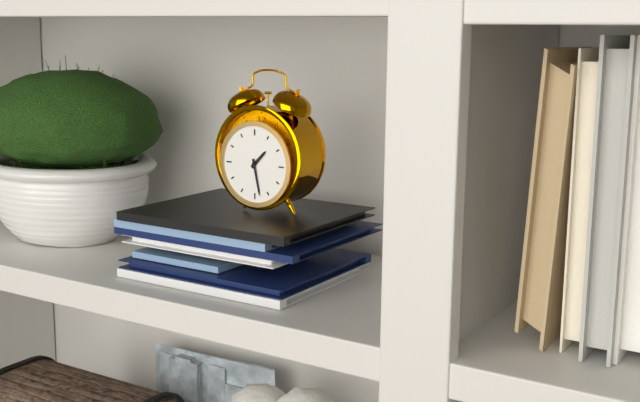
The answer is 1:28
